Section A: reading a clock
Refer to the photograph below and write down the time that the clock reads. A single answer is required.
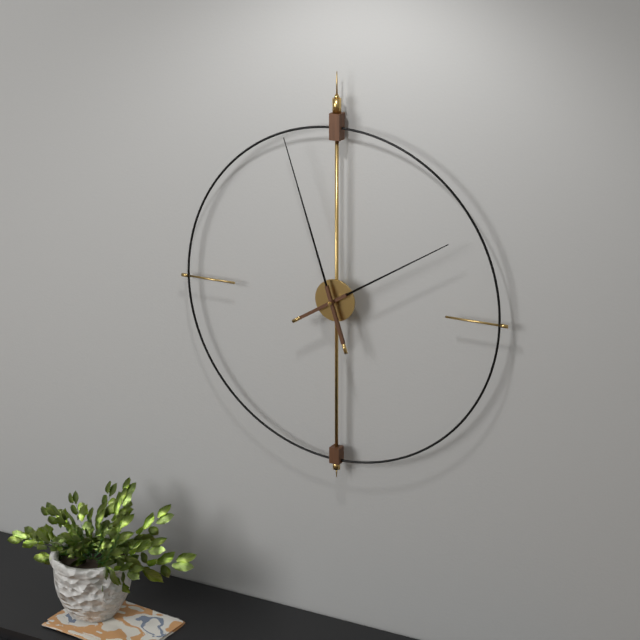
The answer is 1:57
